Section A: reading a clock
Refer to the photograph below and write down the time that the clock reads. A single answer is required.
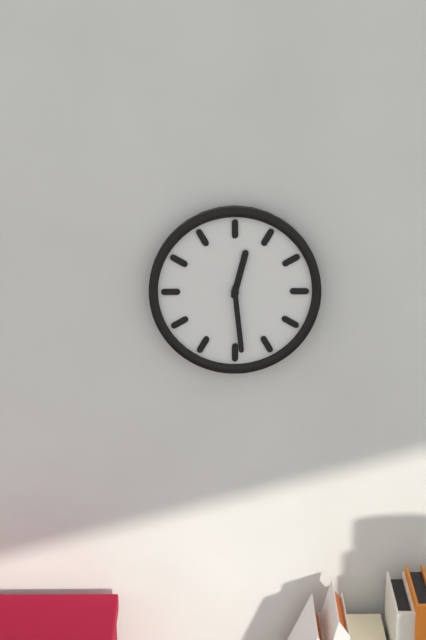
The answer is 12:29
